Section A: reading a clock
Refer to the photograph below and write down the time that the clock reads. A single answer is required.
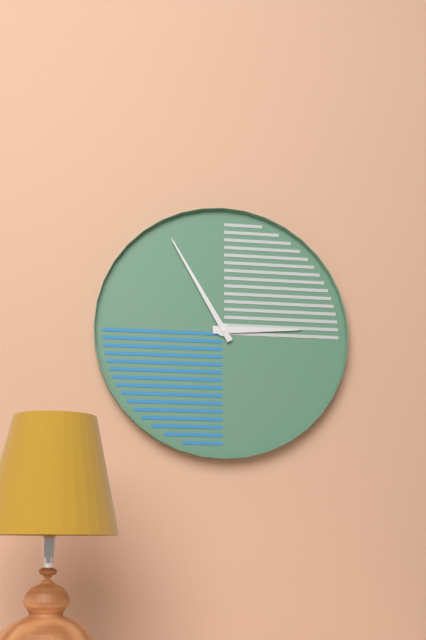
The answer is 2:55
